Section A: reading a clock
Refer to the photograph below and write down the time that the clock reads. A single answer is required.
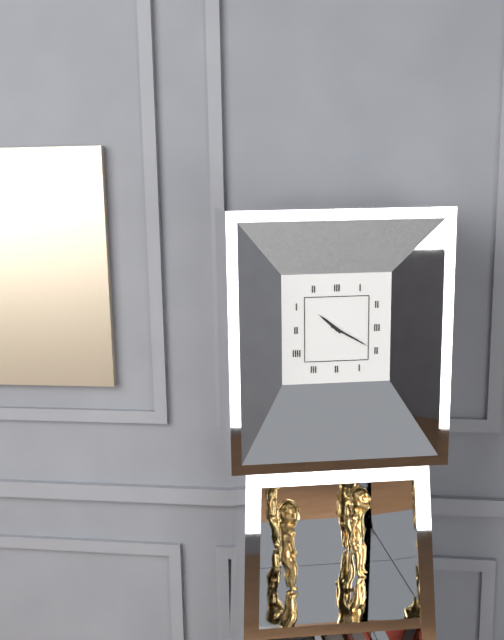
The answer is 10:20
